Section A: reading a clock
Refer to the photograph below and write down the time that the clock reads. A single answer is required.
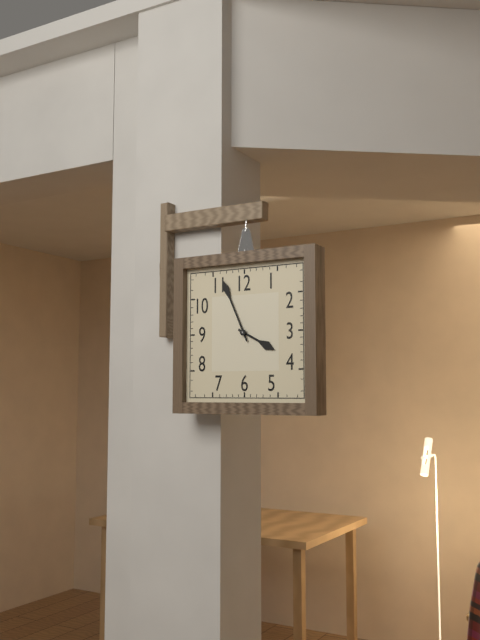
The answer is 3:56
